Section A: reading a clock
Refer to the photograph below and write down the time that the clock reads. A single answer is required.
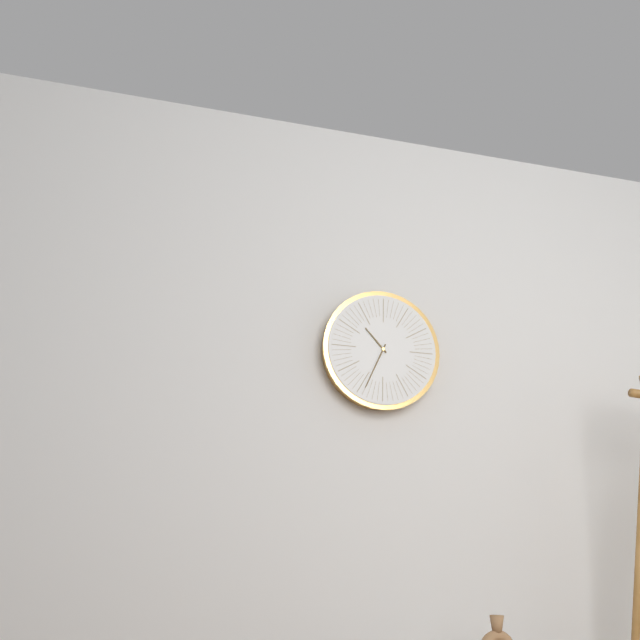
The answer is 10:34
